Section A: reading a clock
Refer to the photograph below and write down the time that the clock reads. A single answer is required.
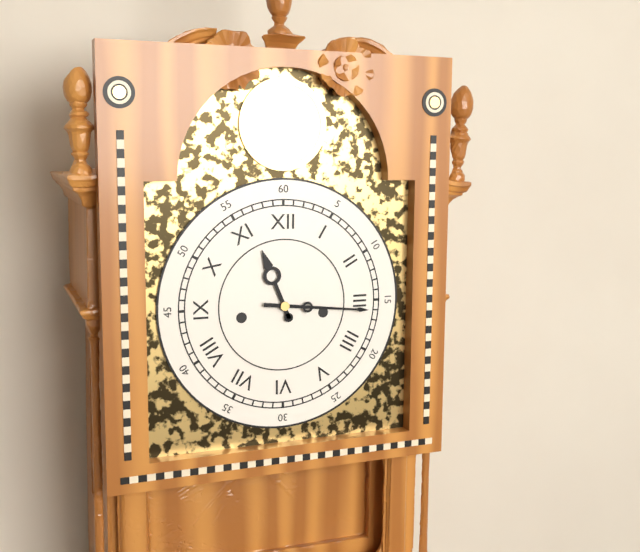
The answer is 11:16
